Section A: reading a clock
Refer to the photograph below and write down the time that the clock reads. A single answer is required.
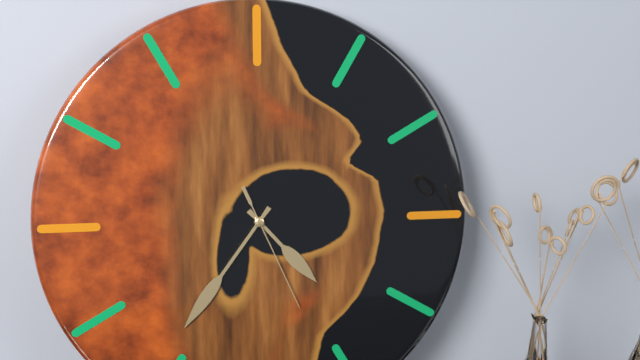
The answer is 4:36:26
